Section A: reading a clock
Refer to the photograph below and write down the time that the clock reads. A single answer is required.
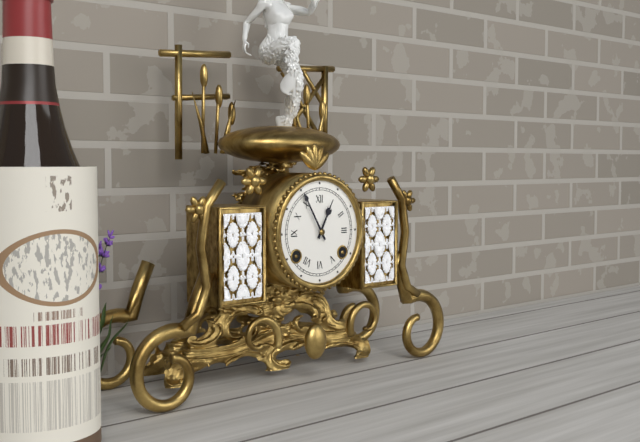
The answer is 12:55
